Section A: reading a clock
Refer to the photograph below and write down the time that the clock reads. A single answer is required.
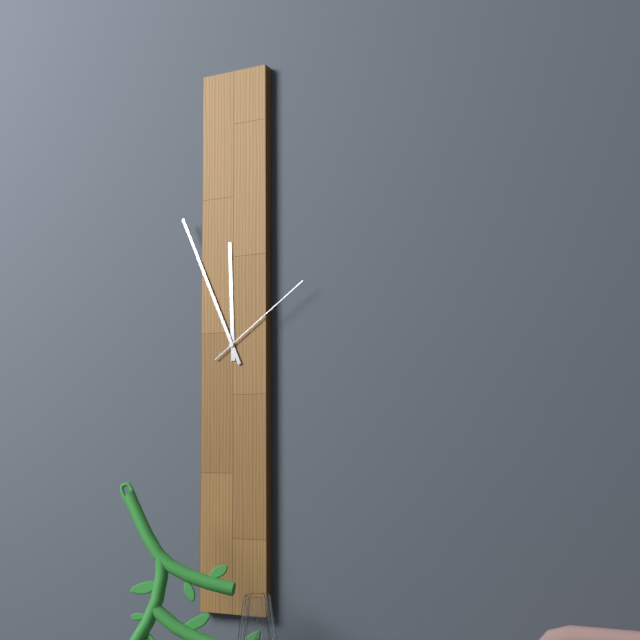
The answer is 11:56:09
